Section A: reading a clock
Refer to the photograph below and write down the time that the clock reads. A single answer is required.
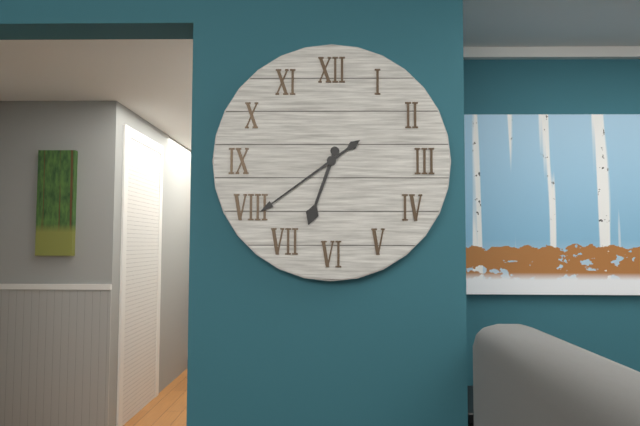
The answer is 6:39
